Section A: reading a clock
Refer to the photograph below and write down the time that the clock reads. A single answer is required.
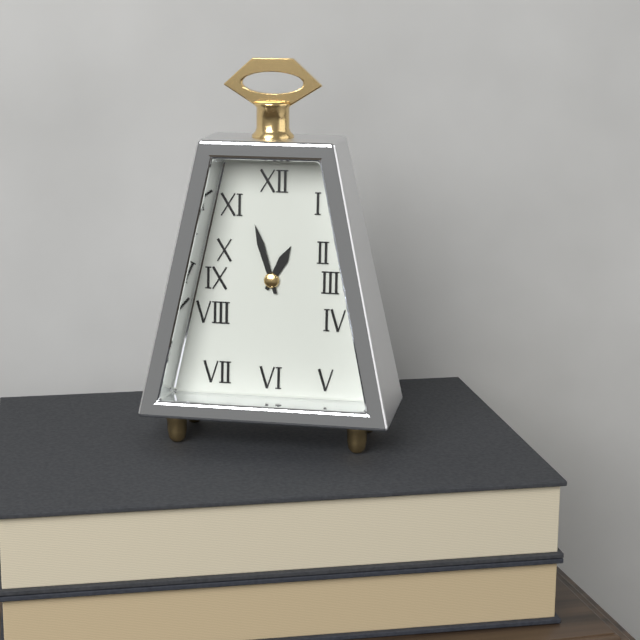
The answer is 12:57
